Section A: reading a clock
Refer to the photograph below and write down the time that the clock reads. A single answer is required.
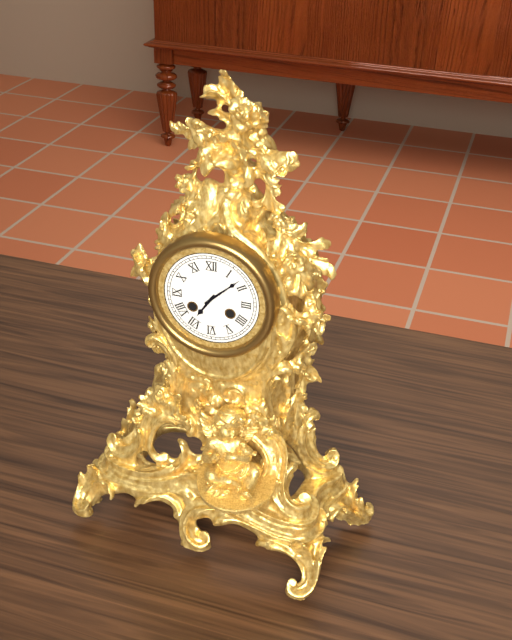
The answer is 7:08
